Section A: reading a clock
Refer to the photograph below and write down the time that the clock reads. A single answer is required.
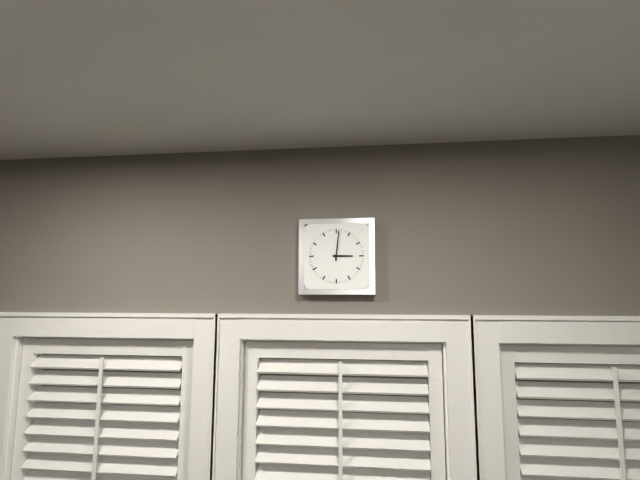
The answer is 3:01
